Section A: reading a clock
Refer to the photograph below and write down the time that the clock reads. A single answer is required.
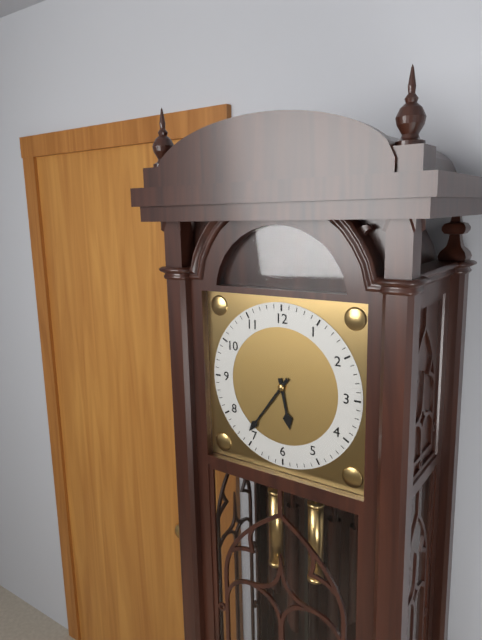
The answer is 5:36
